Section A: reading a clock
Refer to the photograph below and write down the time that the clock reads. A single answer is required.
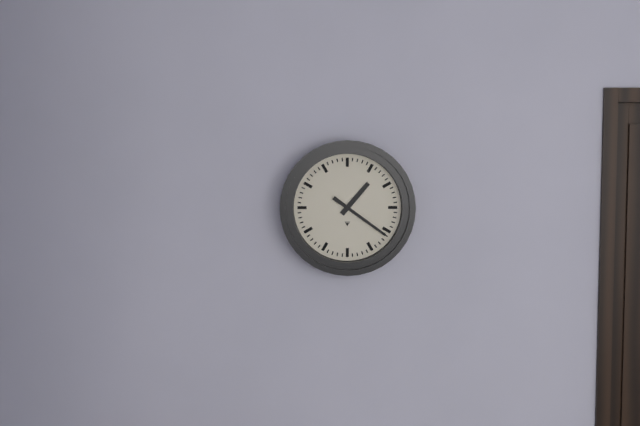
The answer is 1:21
